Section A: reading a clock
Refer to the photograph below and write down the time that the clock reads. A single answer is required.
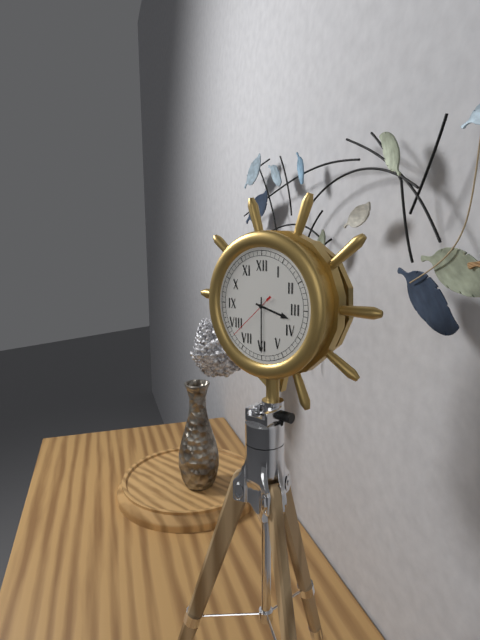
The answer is 3:30
